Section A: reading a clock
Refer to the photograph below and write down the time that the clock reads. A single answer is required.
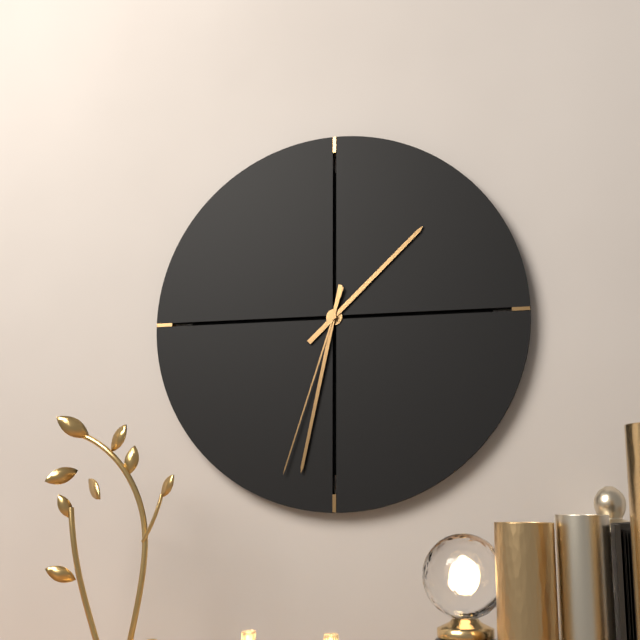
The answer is 1:32:33
